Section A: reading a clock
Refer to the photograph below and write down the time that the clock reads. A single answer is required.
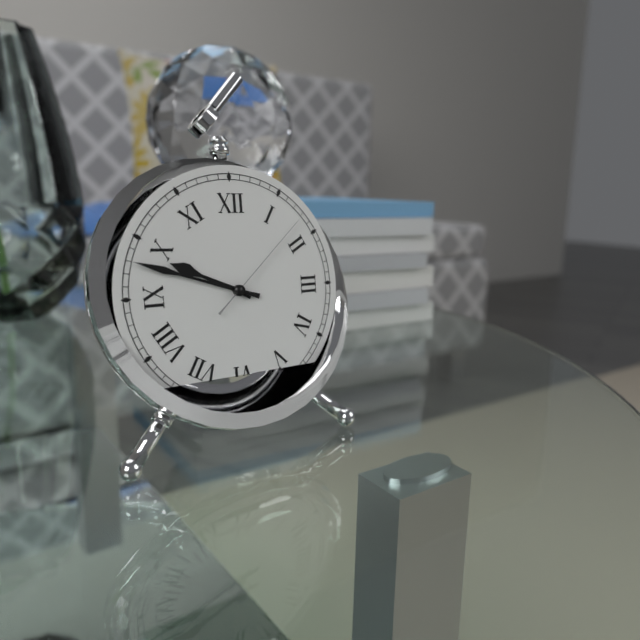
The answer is 9:48:08
